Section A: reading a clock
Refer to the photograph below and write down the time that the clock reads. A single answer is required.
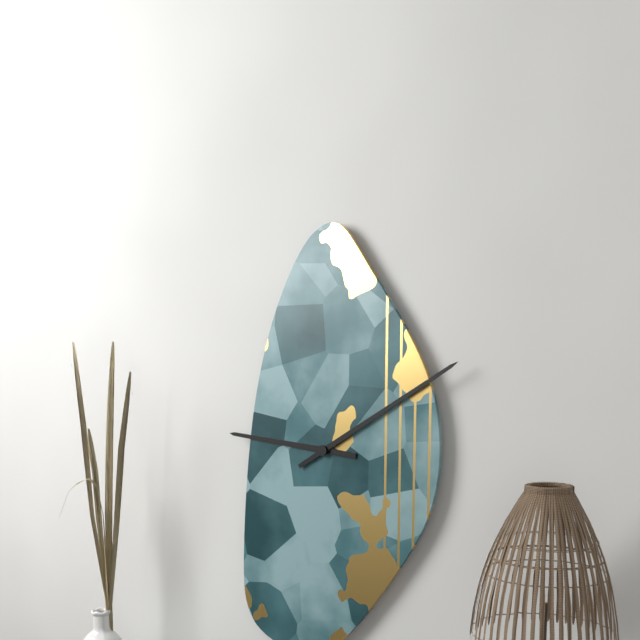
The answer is 9:10
